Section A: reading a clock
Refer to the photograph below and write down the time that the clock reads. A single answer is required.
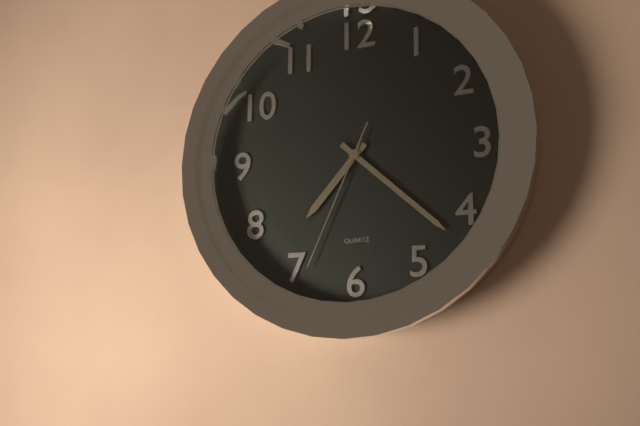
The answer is 7:22:34
